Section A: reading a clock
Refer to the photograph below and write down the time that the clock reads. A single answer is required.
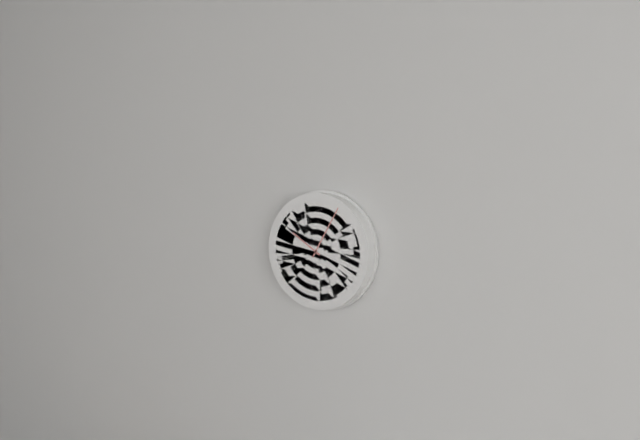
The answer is 10:05
